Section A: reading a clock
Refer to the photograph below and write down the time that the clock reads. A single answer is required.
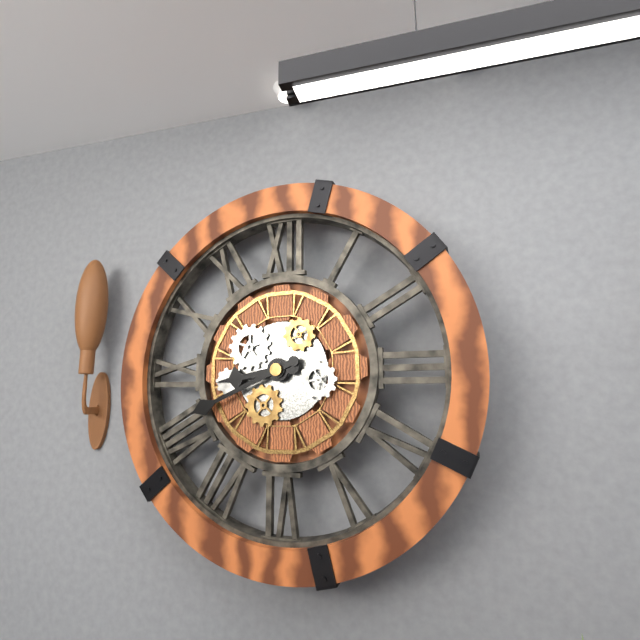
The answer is 8:41
